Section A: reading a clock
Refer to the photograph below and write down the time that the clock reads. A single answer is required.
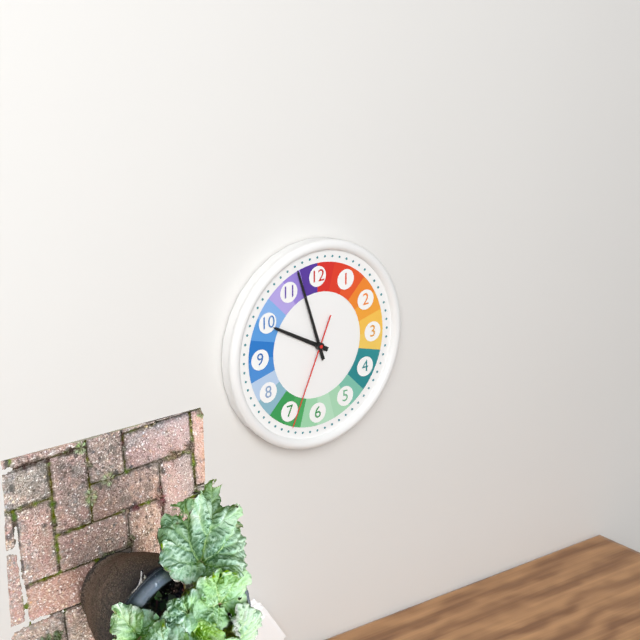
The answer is 9:57:34
